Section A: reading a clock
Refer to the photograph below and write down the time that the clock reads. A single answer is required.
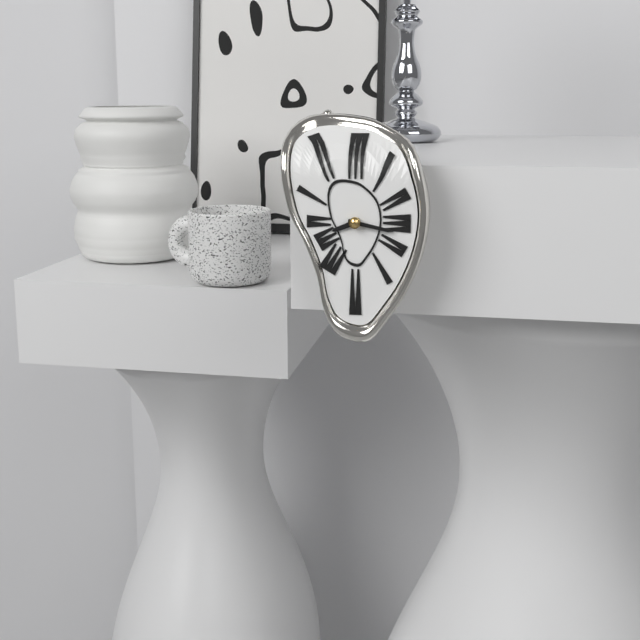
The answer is 8:17
